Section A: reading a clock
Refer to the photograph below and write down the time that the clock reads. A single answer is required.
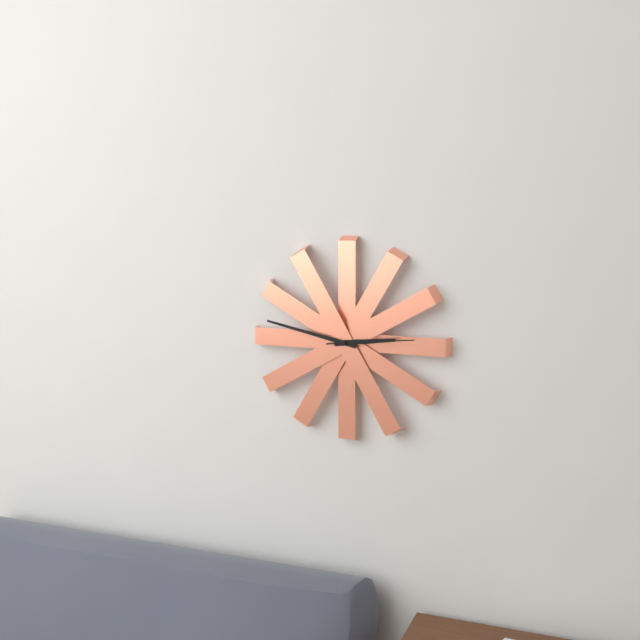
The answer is 2:47:14
